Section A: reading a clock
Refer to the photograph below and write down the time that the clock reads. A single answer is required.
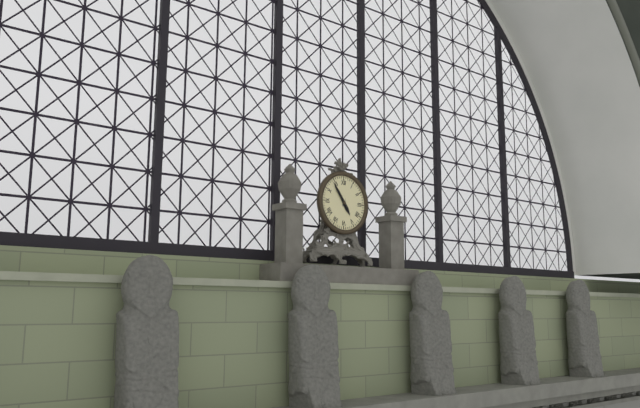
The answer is 4:54
